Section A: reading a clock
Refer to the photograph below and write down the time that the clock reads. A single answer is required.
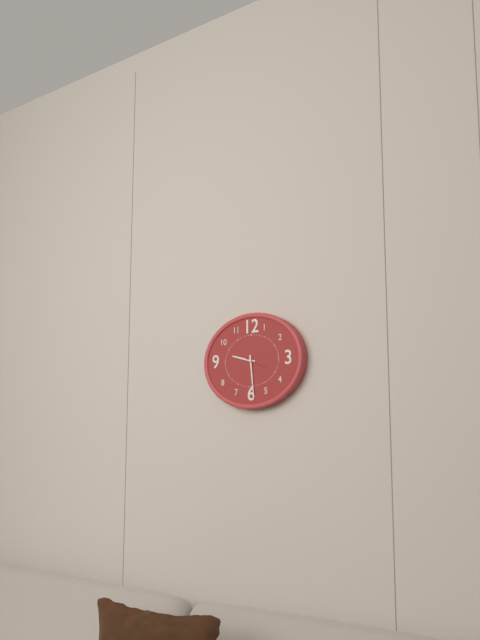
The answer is 9:29
